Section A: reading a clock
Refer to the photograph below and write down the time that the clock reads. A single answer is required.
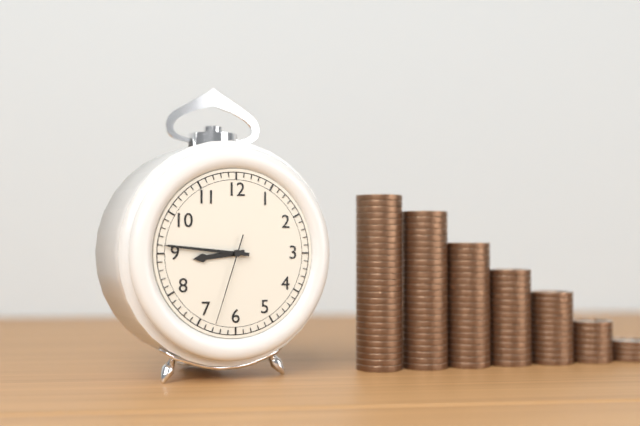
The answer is 8:46:33
